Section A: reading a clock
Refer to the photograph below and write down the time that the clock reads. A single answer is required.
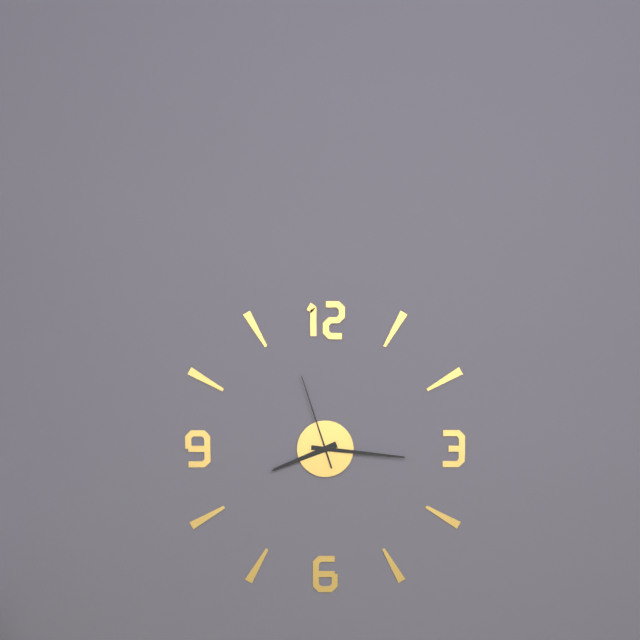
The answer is 8:16:57
